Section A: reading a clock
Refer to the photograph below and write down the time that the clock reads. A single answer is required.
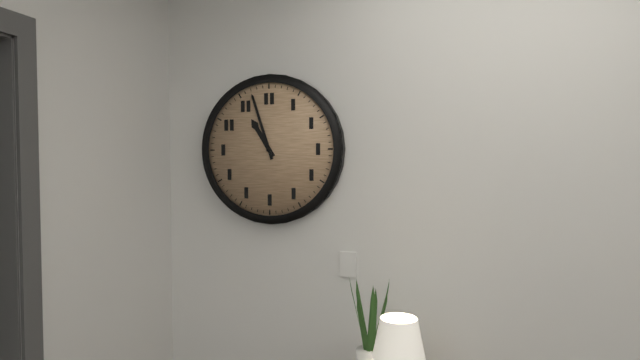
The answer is 10:57
